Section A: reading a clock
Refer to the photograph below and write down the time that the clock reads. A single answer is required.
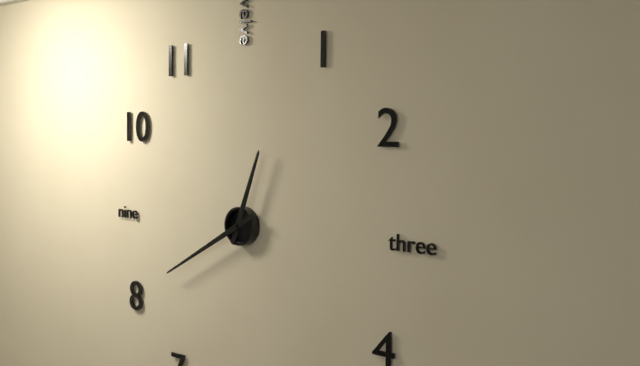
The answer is 12:40
